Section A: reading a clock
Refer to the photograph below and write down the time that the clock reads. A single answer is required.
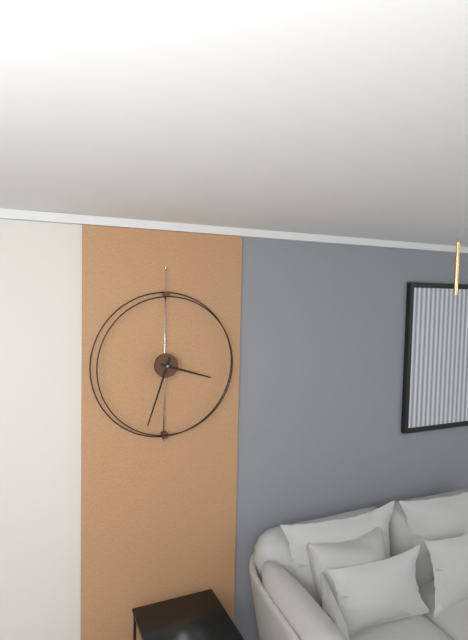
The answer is 3:33
